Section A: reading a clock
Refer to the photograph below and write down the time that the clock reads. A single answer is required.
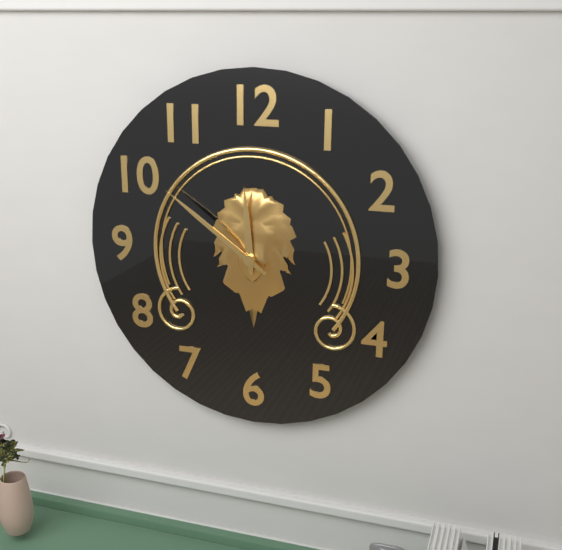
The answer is 11:51
